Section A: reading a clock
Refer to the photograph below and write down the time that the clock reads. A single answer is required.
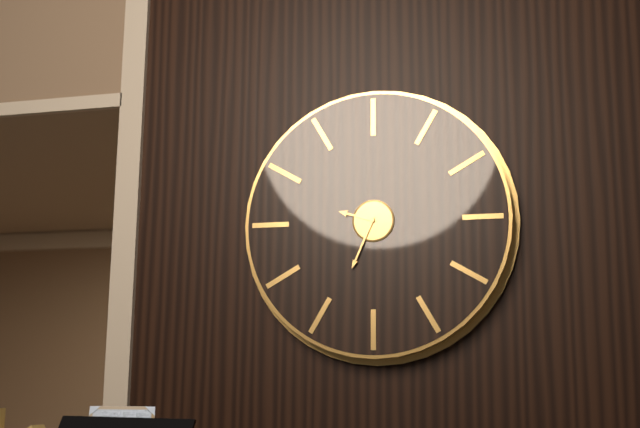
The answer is 9:34
